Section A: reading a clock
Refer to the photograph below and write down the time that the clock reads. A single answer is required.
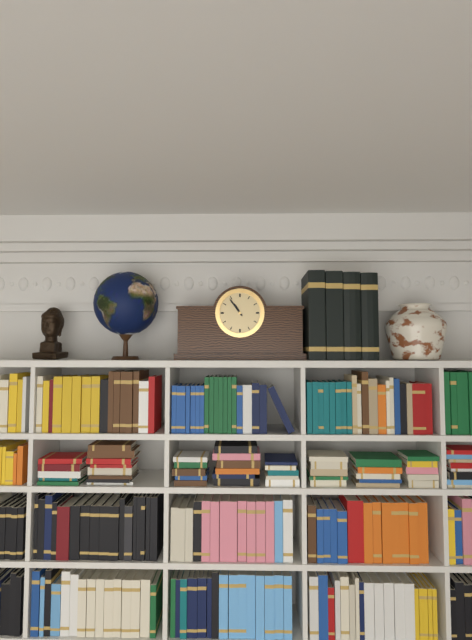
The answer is 10:54
